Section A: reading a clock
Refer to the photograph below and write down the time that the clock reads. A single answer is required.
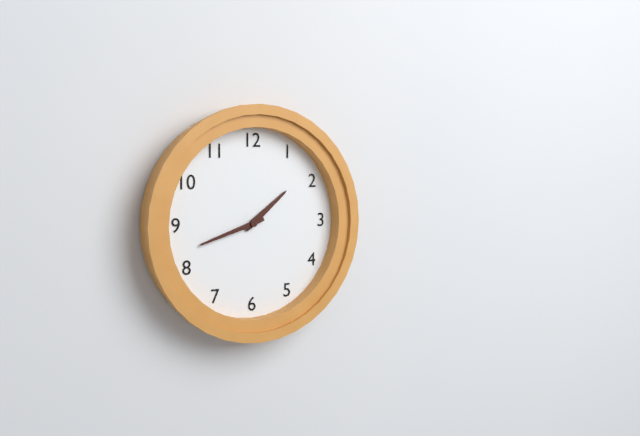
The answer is 1:42
